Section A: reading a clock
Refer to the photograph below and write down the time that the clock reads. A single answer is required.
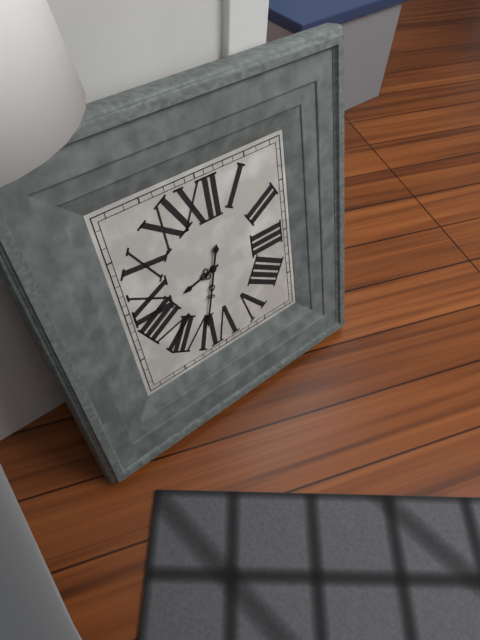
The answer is 8:33
